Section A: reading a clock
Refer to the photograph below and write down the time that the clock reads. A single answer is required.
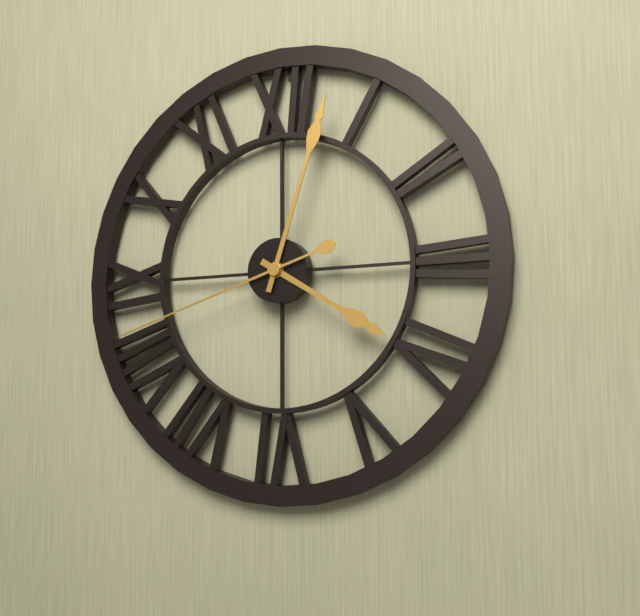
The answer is 4:03:42
